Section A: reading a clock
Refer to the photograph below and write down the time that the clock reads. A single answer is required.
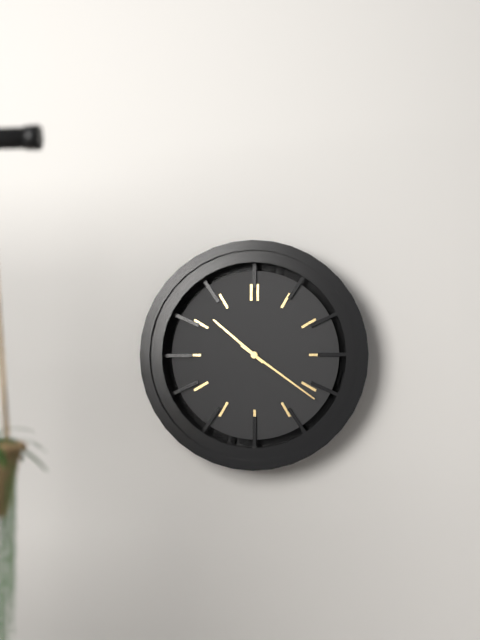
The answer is 10:21
